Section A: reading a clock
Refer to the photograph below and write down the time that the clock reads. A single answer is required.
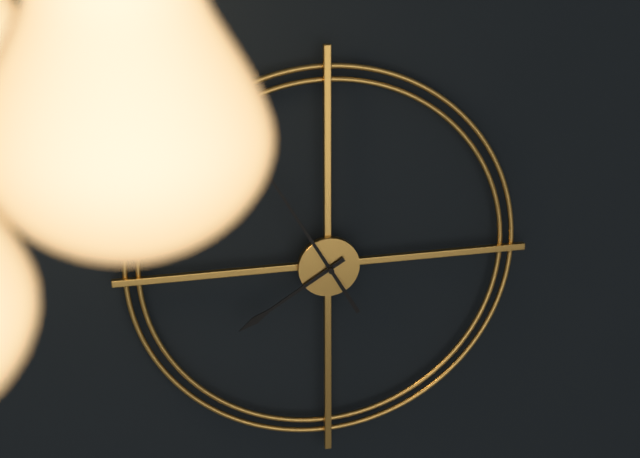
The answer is 7:55
